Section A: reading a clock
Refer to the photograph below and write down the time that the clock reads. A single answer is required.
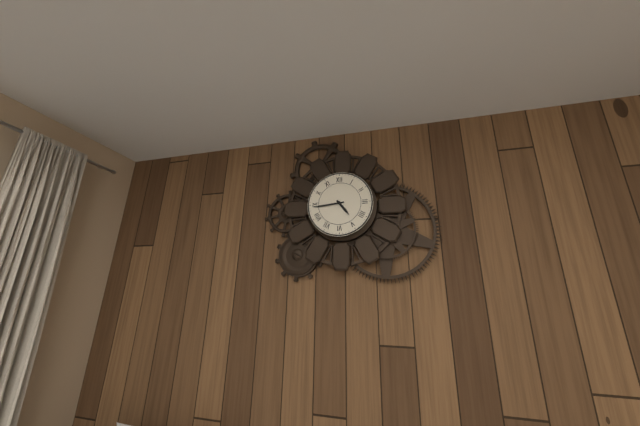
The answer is 4:44
